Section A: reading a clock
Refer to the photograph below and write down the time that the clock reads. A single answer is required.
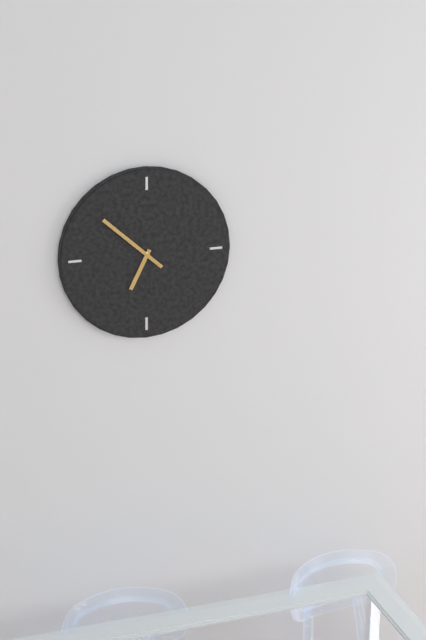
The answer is 6:52
